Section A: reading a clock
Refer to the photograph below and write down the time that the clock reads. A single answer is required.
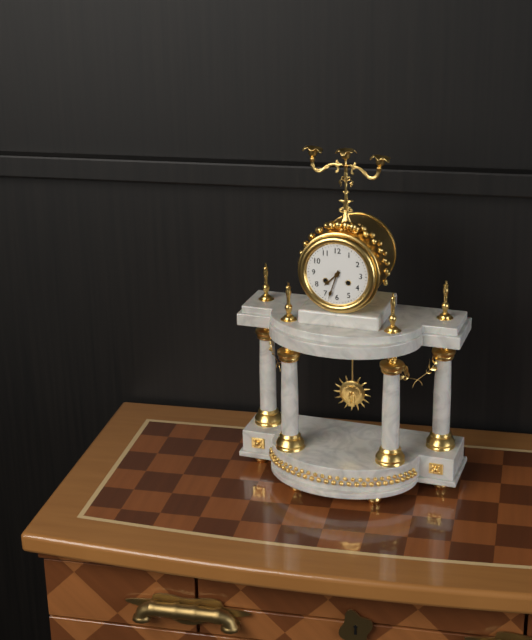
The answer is 7:33
